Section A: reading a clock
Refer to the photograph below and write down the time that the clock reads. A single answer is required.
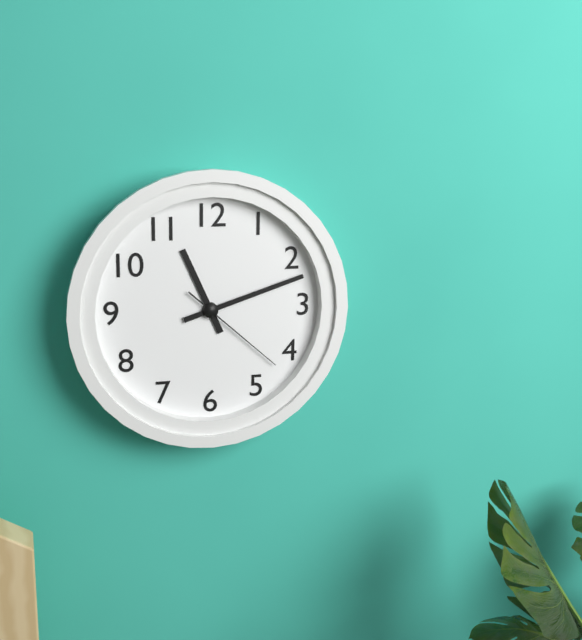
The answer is 11:12:22
